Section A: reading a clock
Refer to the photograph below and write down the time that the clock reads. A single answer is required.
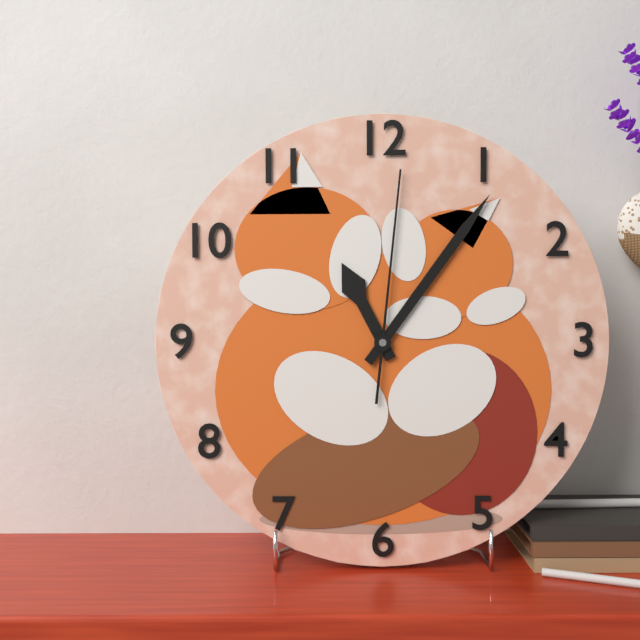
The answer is 11:06:01
